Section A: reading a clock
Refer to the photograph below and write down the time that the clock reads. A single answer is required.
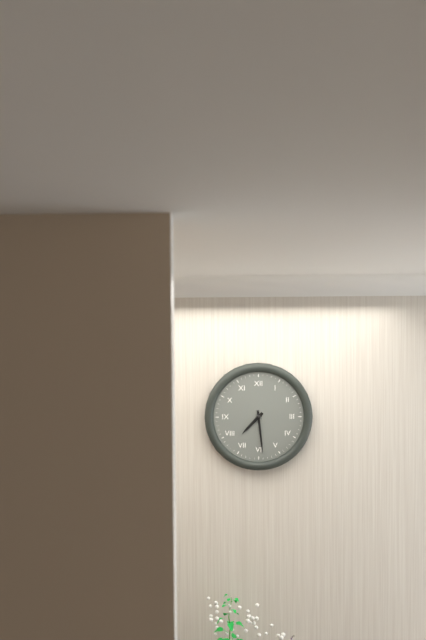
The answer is 7:29
